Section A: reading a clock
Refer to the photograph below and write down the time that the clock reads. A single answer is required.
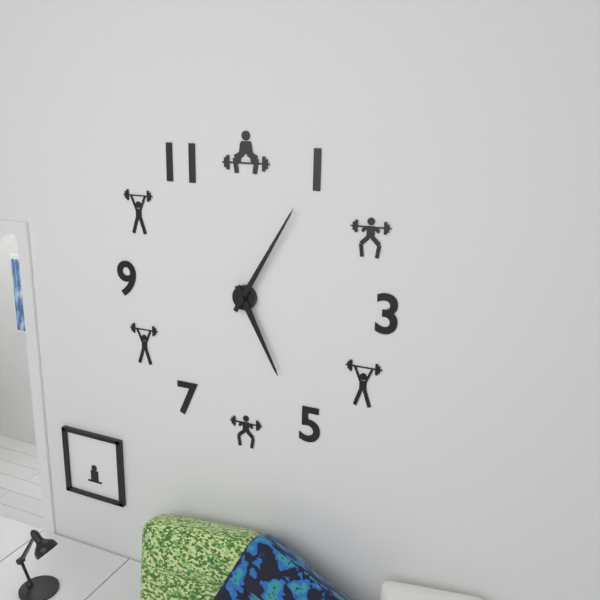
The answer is 5:05
